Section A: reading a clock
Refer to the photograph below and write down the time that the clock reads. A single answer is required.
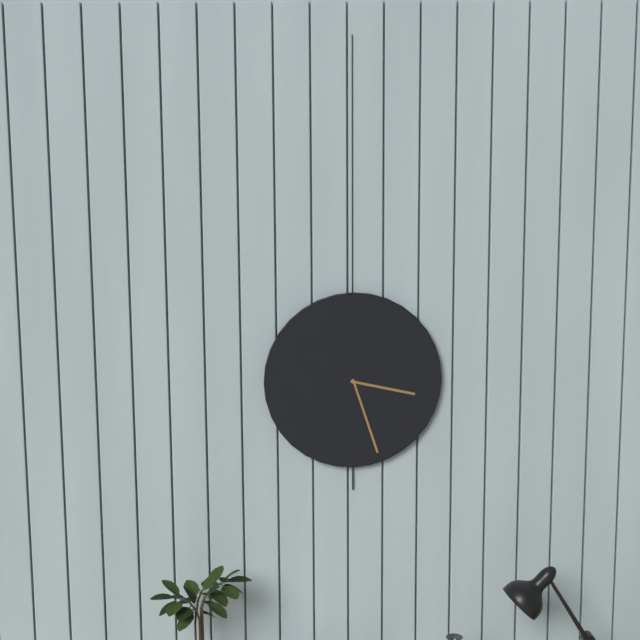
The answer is 3:27
